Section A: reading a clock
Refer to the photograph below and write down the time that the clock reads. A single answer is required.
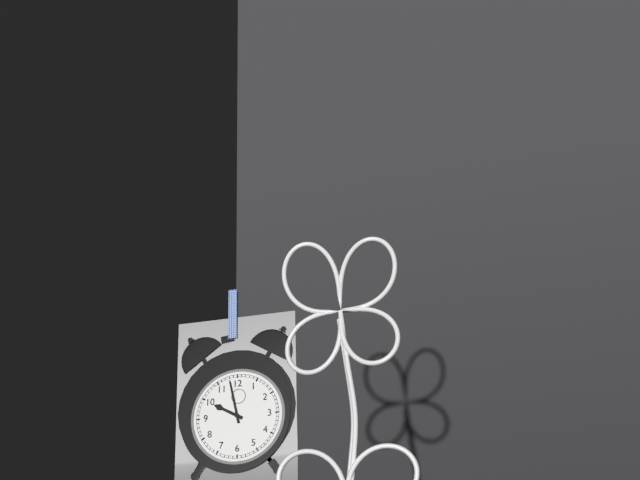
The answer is 9:58
